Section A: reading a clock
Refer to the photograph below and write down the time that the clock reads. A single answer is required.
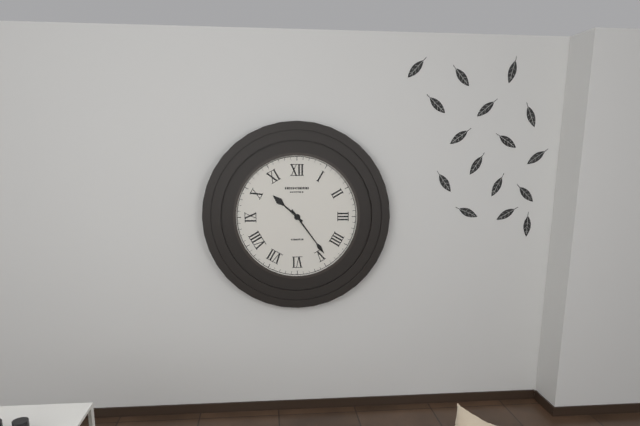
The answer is 10:24
